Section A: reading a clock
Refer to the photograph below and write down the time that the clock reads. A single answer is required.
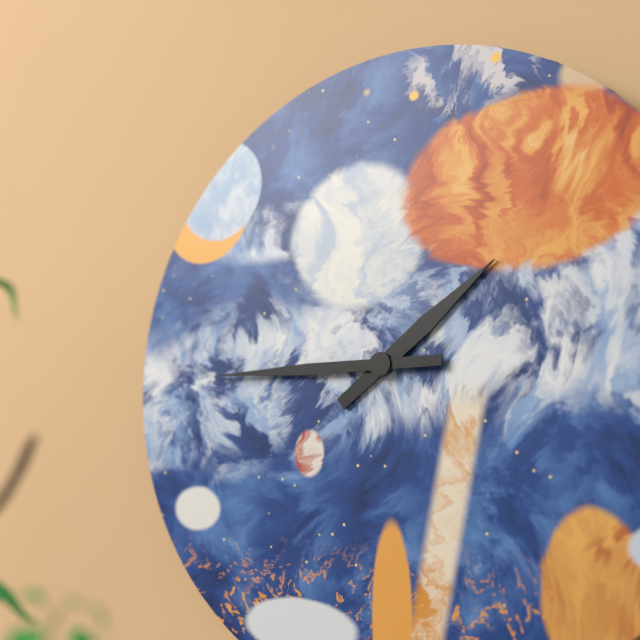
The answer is 1:45
